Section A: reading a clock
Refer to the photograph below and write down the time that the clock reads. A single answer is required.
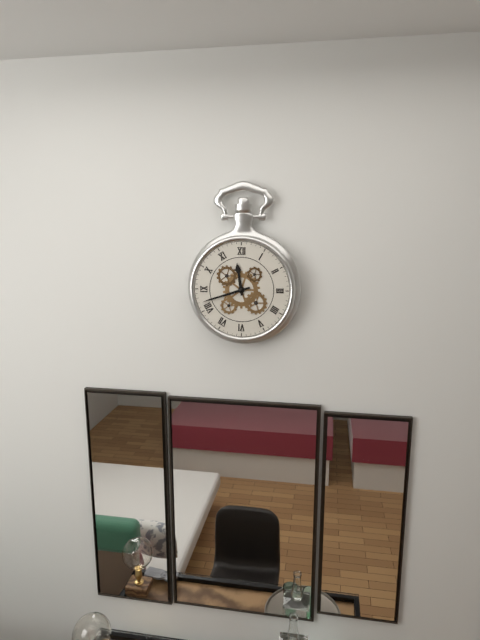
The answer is 11:42
